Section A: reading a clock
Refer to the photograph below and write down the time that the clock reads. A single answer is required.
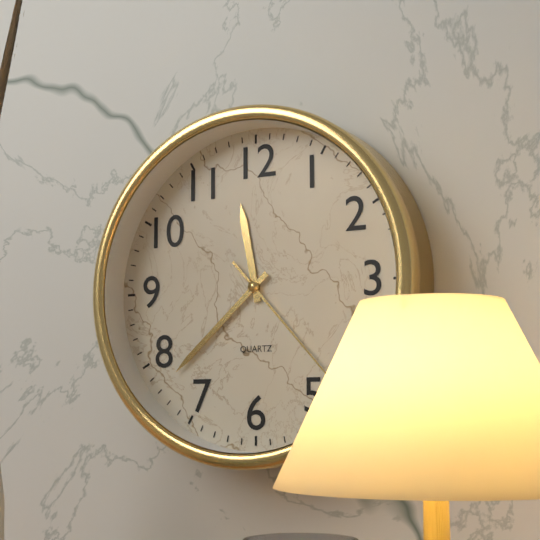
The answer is 11:38:23
